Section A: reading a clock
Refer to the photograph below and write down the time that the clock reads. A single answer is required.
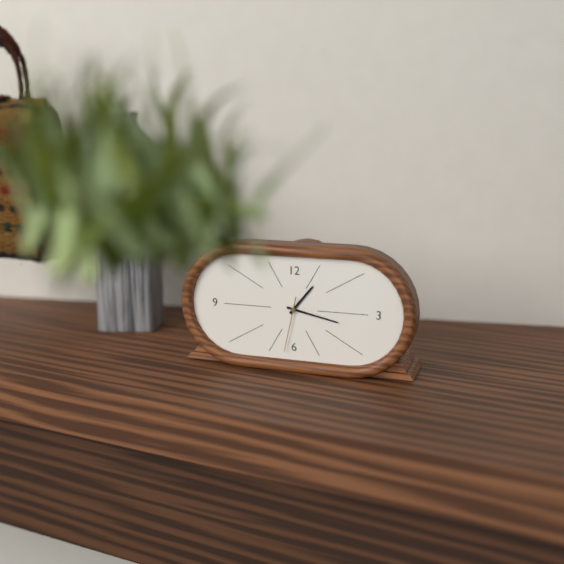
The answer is 1:17:32
